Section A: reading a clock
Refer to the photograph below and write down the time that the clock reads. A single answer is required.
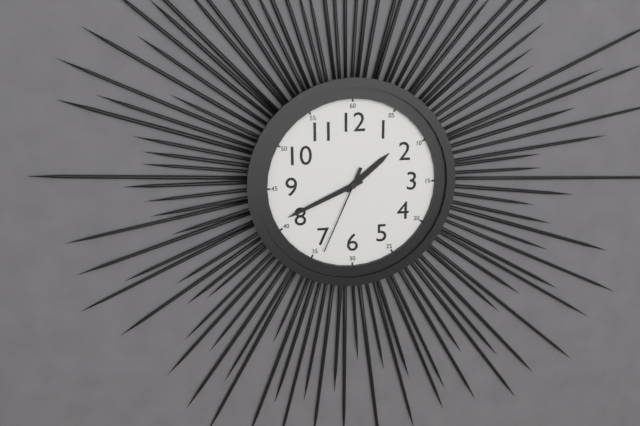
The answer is 1:41:34
